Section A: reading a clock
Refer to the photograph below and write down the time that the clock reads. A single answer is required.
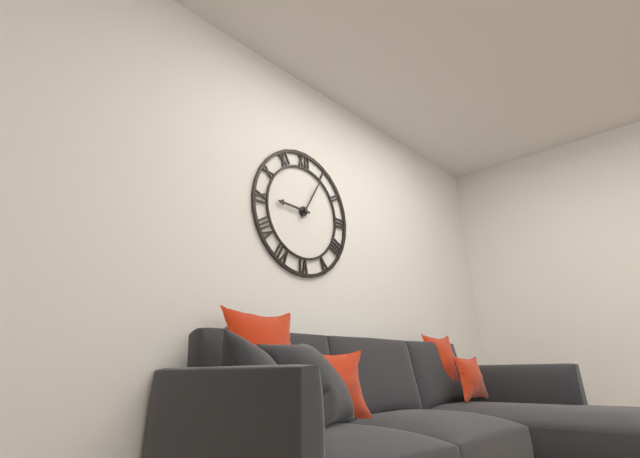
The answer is 9:05
